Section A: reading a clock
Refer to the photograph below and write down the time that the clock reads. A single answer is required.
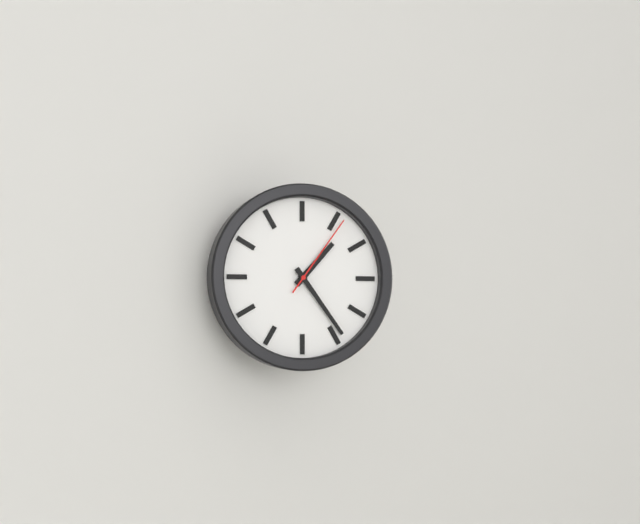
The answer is 1:24:06
